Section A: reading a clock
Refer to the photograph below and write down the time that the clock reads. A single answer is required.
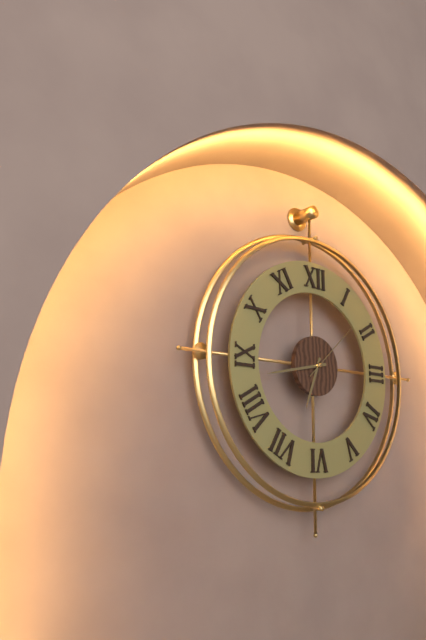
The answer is 6:43:08
